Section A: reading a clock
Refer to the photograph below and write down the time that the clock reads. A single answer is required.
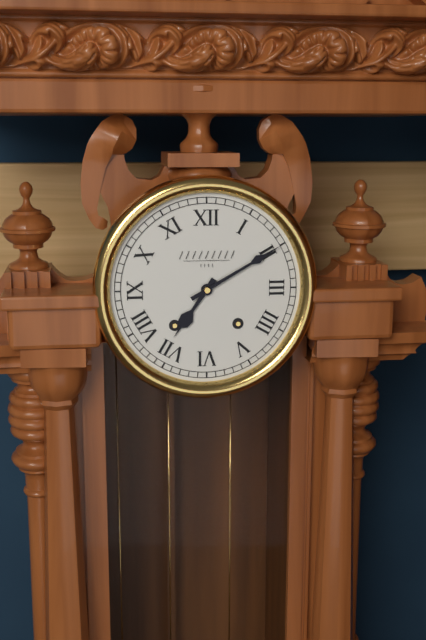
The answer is 7:10
